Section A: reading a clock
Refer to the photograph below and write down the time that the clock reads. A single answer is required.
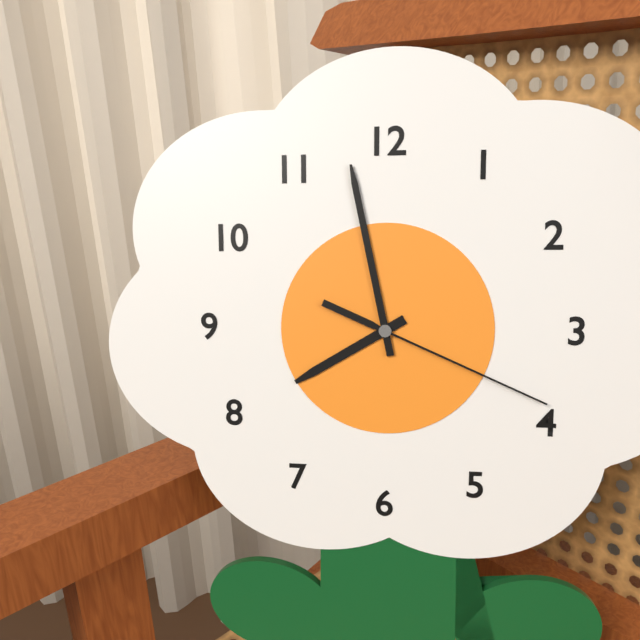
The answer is 7:58:19
